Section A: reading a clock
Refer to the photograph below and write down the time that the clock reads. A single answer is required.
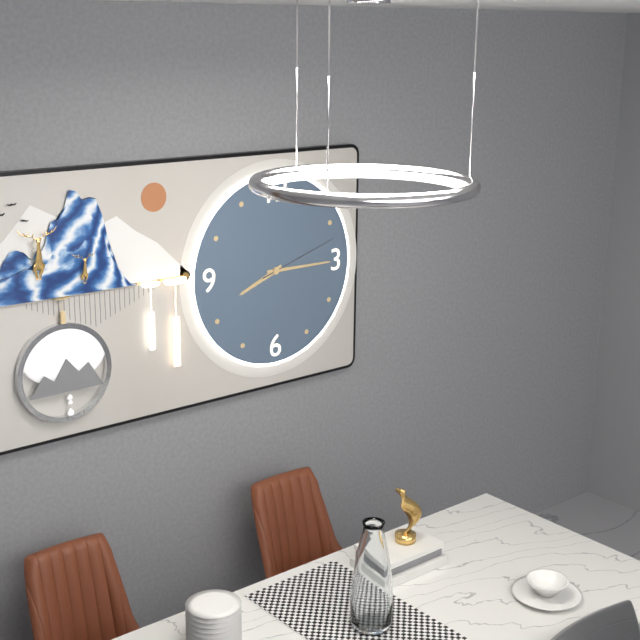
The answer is 8:15:12
